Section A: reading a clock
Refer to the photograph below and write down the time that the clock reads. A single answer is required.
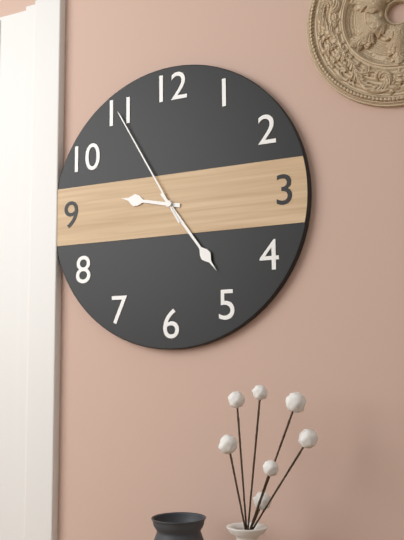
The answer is 9:24:55
